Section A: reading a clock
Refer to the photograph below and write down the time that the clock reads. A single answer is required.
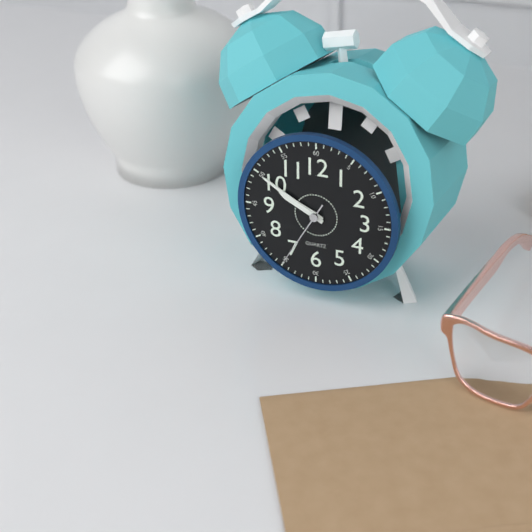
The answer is 9:50:35
